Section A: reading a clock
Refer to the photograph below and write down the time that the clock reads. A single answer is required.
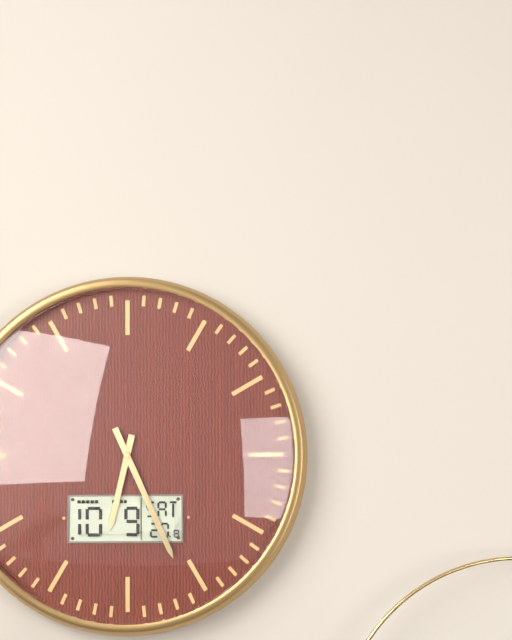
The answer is 6:26
